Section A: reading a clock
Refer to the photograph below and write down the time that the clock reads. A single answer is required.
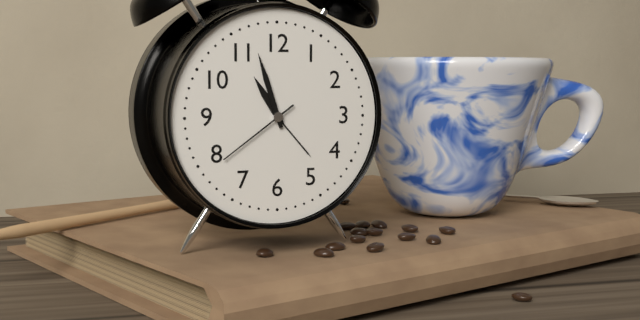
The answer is 10:57:39
